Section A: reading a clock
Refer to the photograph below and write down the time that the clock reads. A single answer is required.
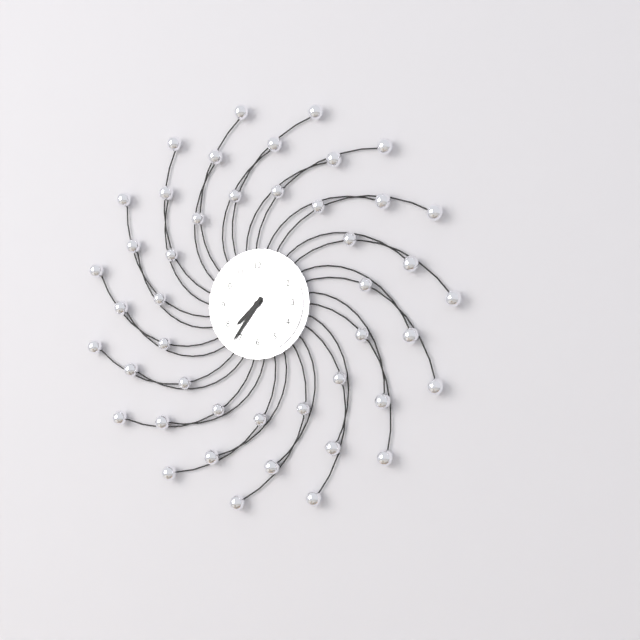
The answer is 7:36
